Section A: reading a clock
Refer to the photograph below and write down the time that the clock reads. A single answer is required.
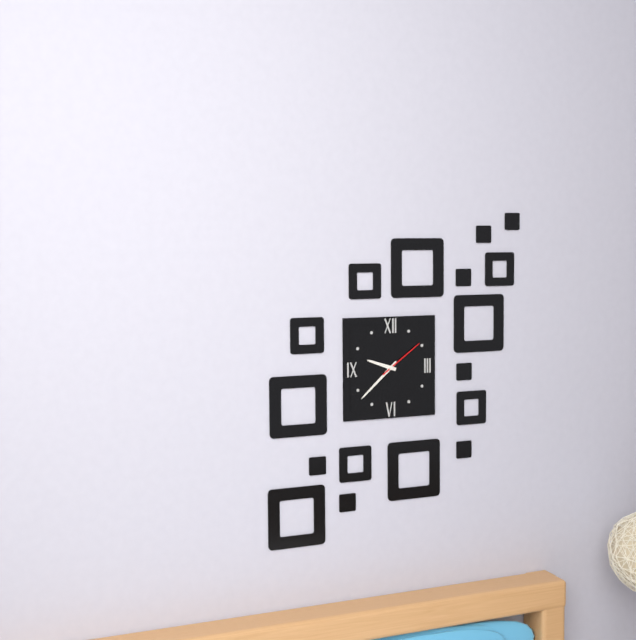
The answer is 9:38
